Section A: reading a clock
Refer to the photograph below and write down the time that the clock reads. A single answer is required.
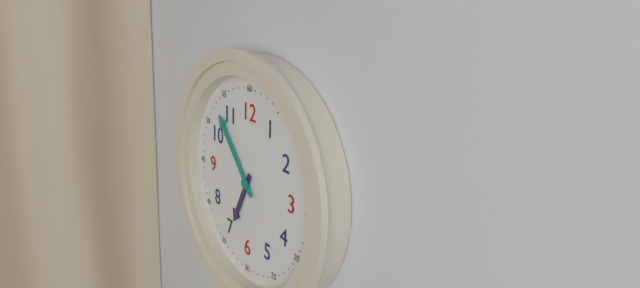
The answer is 6:53
